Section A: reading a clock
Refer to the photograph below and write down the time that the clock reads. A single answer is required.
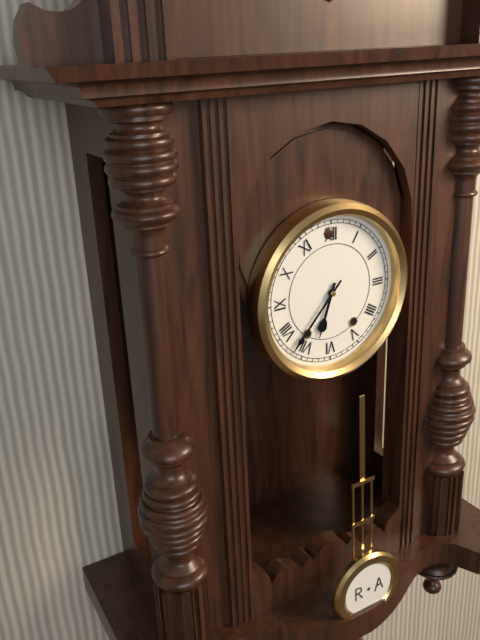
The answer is 6:37
